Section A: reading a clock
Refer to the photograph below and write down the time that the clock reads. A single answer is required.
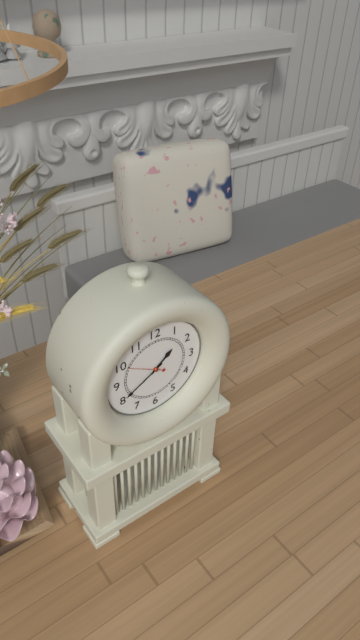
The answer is 1:40
